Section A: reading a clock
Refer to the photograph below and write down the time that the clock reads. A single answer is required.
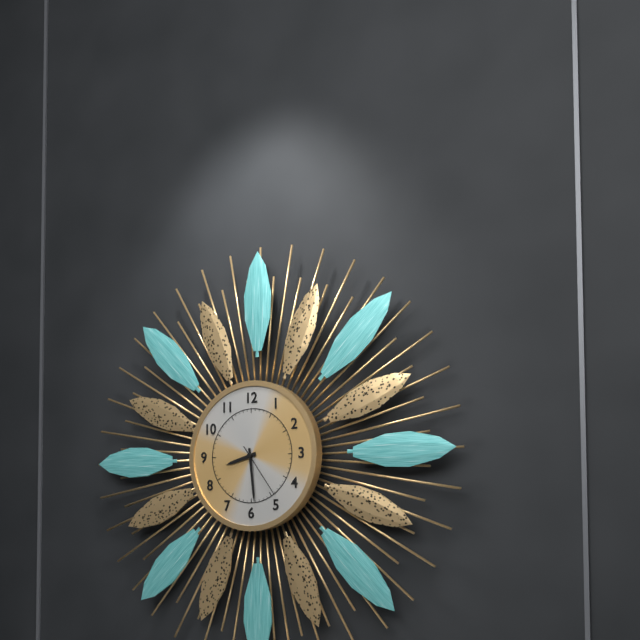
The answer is 8:29
